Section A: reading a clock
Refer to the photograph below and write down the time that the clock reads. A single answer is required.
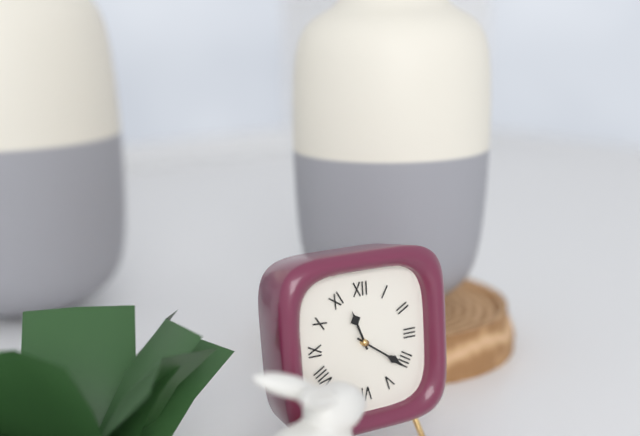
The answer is 11:21
